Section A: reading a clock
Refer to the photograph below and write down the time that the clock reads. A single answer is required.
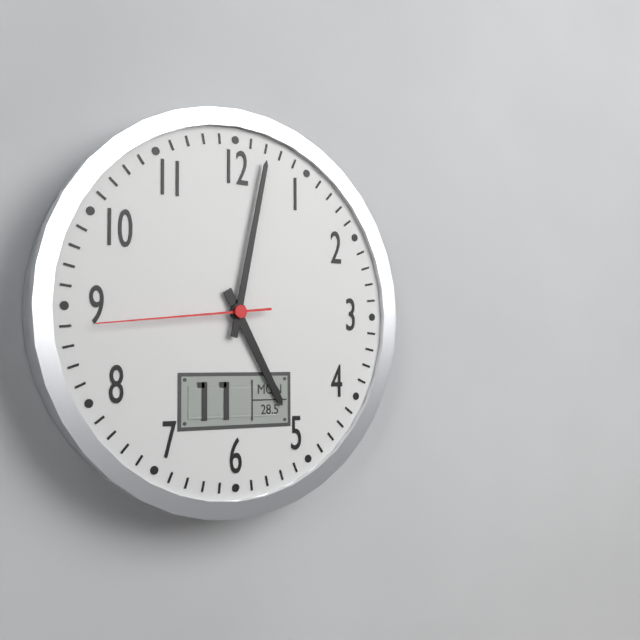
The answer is 5:02:44
